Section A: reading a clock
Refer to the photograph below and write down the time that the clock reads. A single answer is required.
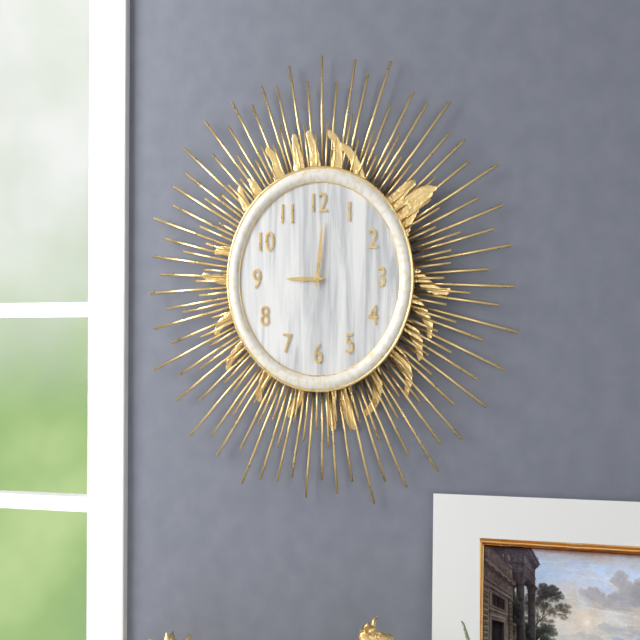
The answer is 9:01
